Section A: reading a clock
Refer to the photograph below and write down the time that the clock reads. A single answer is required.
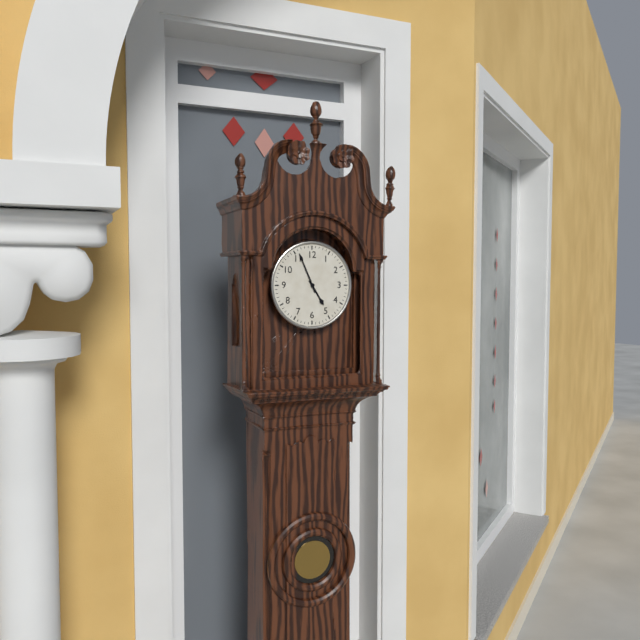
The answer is 4:56
